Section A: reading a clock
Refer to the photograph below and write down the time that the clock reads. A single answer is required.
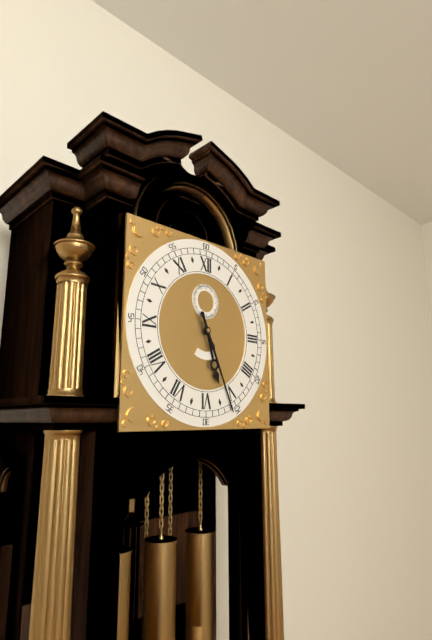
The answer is 5:26
